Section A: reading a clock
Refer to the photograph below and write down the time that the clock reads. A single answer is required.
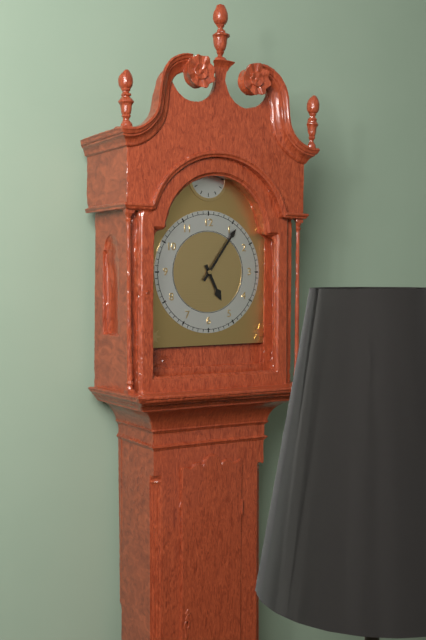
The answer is 5:06
